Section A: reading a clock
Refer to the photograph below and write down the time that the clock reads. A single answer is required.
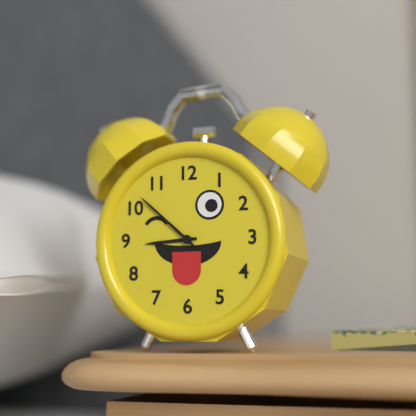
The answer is 8:52
